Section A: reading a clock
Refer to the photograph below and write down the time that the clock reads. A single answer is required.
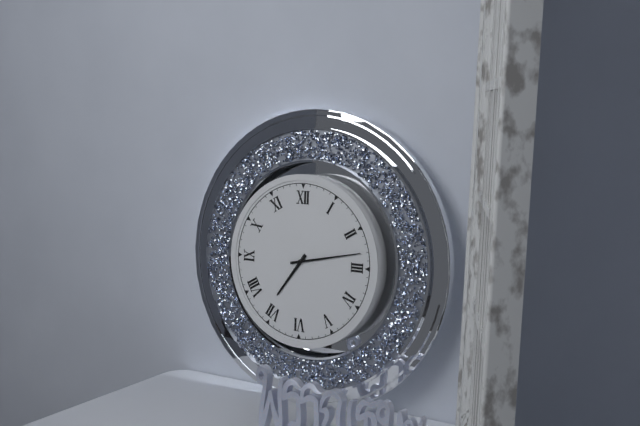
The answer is 7:13
